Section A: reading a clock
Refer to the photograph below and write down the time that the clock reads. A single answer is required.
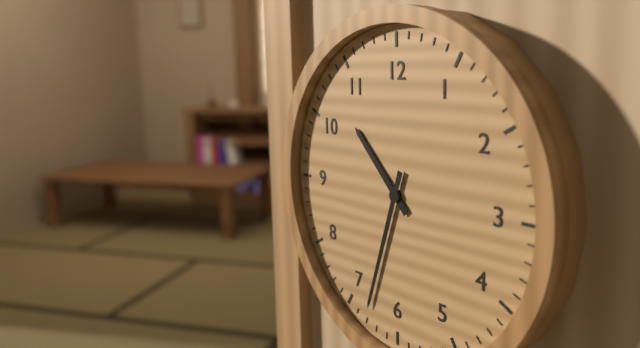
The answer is 10:33
